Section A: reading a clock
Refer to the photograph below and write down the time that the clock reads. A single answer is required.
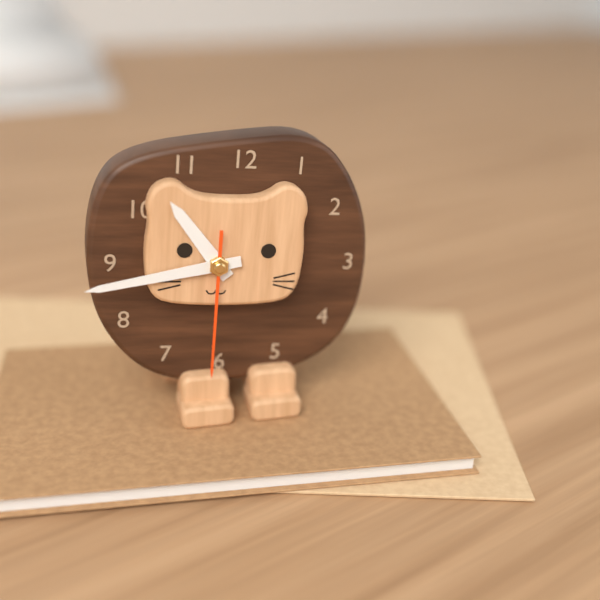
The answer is 10:43:30
